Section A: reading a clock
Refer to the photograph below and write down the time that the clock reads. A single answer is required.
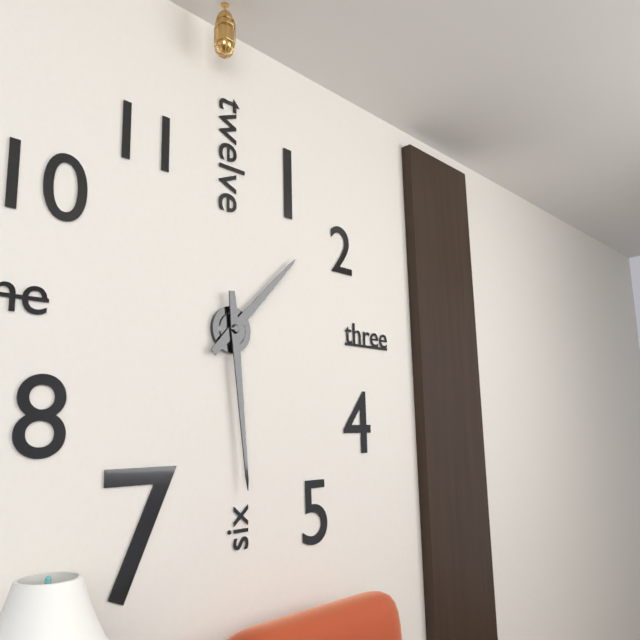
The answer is 1:29
